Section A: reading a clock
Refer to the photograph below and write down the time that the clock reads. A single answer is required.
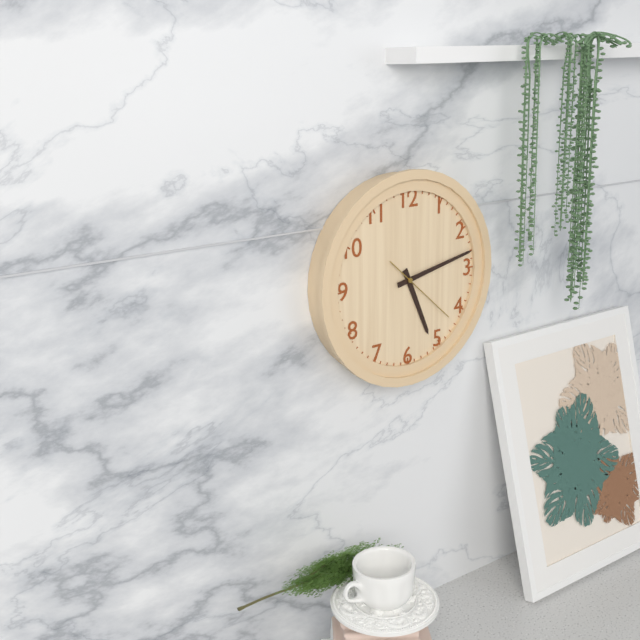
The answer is 5:13:22
